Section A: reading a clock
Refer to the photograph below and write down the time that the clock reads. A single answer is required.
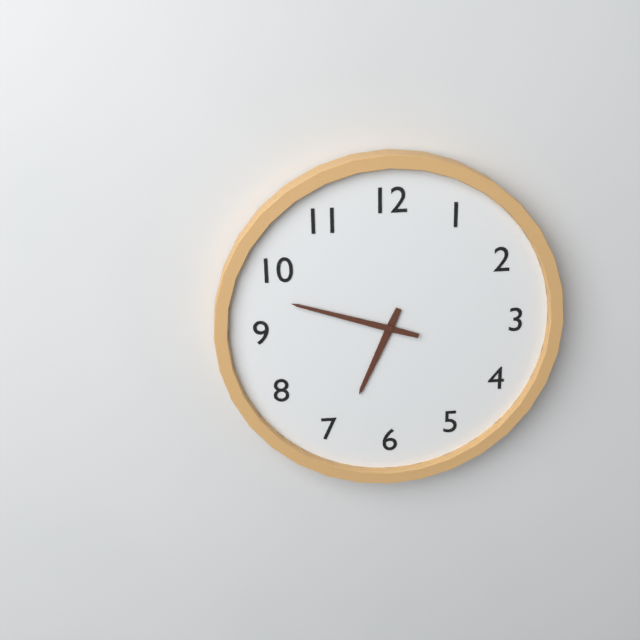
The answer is 6:48
